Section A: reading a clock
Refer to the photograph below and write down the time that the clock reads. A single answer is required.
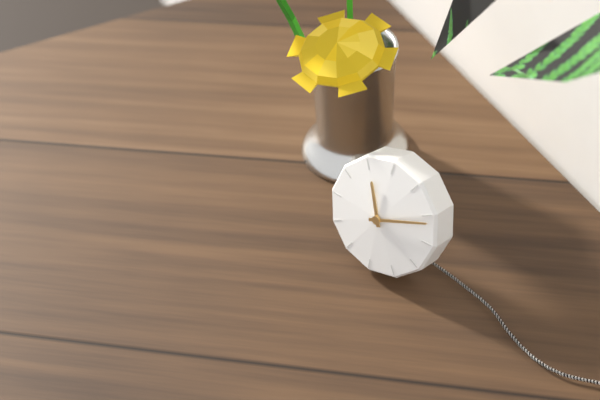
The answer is 11:11
